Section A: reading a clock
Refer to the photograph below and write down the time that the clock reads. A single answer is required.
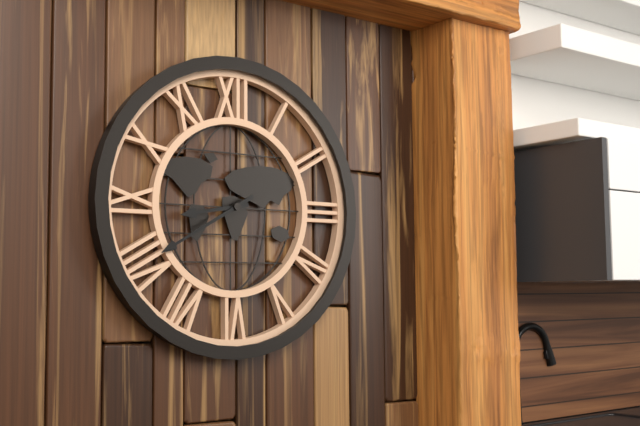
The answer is 8:40
